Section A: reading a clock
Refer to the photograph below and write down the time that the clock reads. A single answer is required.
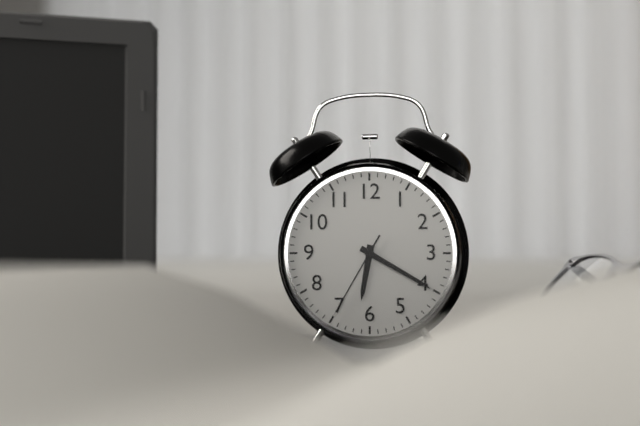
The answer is 6:20:35
